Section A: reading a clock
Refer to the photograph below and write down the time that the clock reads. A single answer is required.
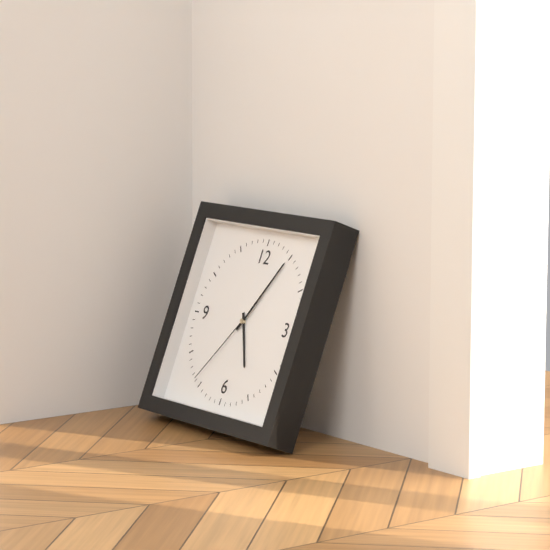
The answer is 5:05:36
